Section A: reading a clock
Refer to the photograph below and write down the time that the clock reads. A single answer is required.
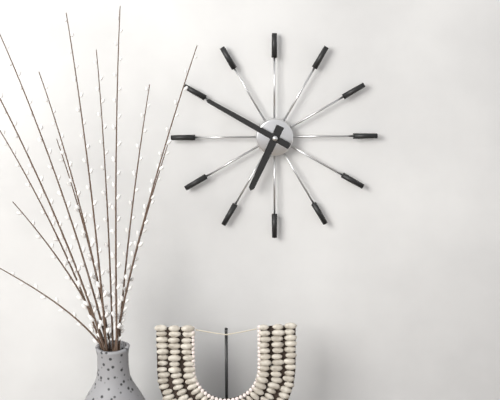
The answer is 6:50
